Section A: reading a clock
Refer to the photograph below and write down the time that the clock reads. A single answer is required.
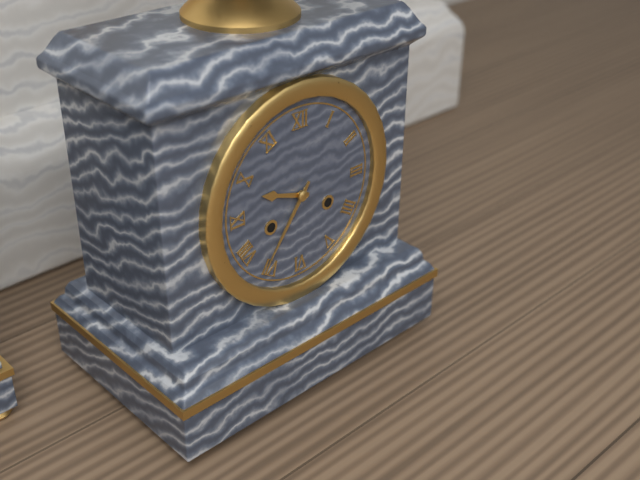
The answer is 9:36
